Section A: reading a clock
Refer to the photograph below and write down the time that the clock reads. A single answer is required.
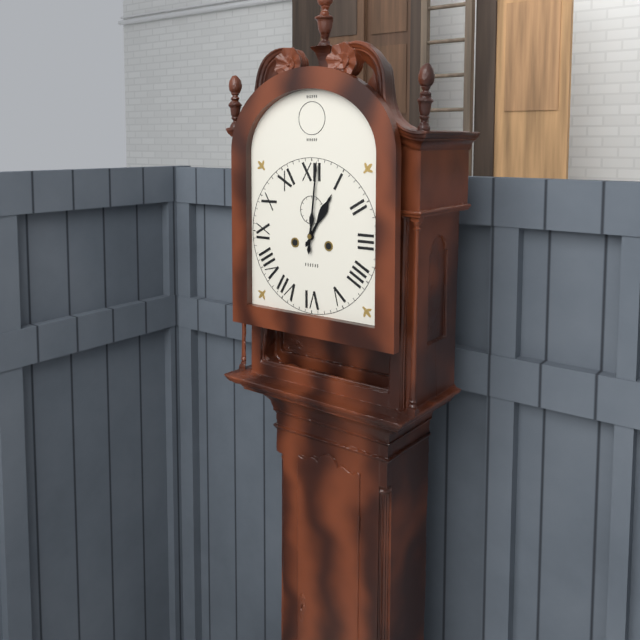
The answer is 1:01
